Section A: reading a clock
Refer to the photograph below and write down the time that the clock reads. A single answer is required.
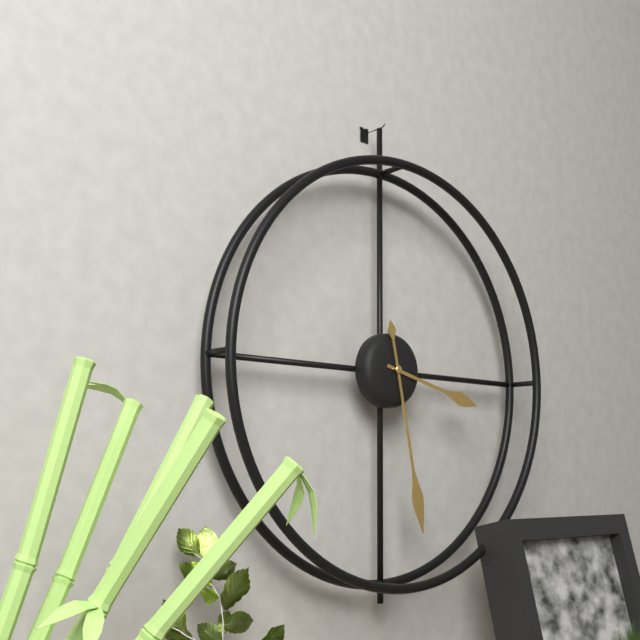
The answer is 3:28
